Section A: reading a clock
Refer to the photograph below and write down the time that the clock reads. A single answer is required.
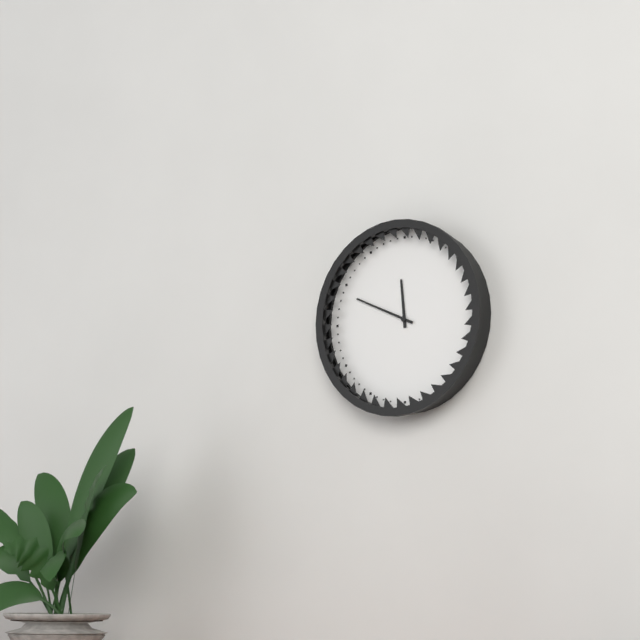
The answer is 11:49
